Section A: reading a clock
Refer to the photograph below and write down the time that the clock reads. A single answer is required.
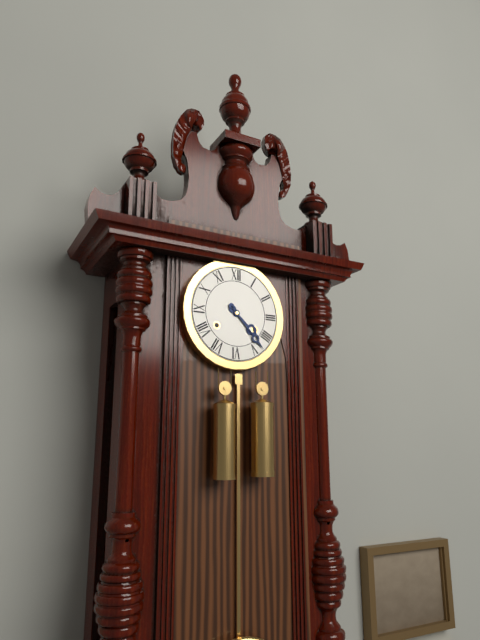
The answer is 4:23
